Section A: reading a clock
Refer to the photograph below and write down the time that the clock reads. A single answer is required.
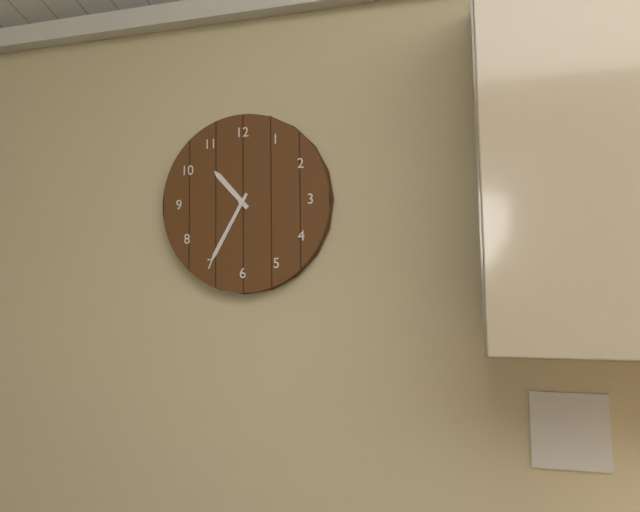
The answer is 10:35
